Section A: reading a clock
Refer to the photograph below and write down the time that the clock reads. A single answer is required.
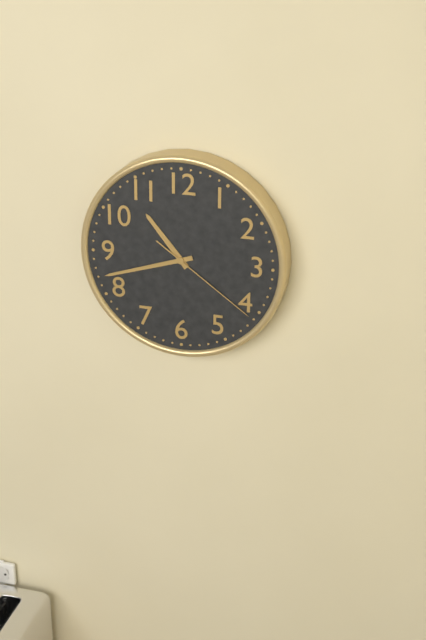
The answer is 10:42:21
